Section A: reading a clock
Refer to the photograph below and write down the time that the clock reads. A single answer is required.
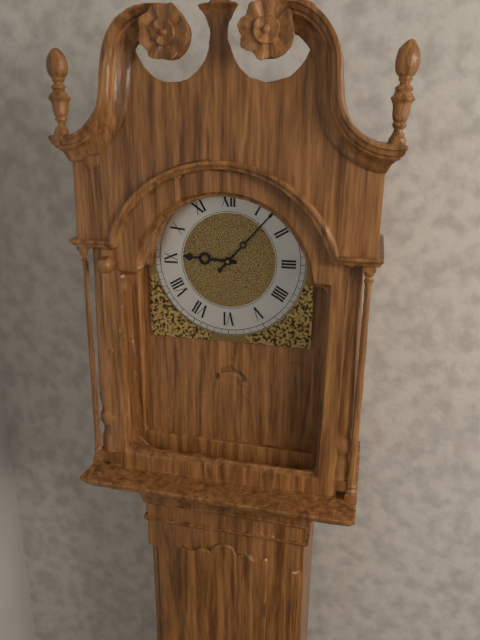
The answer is 9:07
